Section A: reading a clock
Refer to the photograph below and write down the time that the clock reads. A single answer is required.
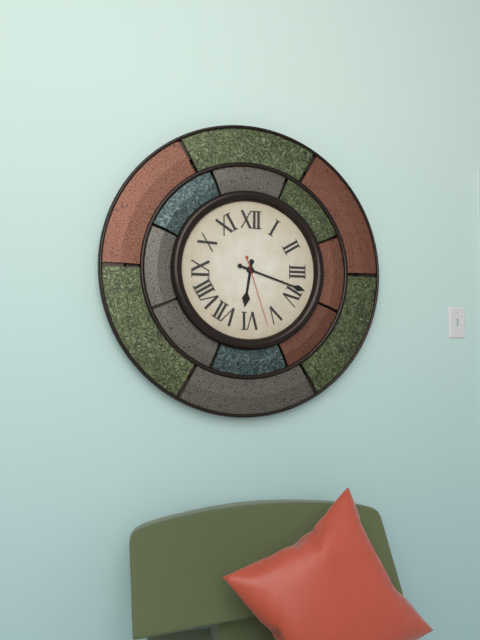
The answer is 6:18:27
